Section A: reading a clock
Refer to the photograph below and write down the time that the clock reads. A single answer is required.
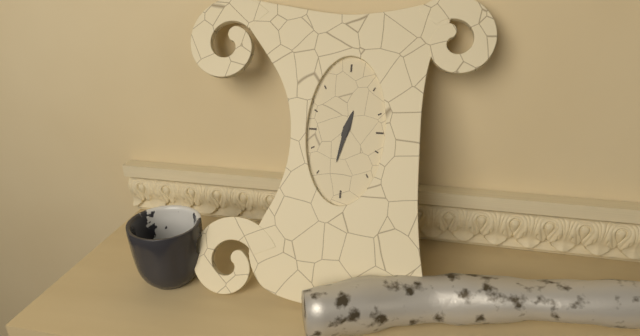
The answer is 12:32
